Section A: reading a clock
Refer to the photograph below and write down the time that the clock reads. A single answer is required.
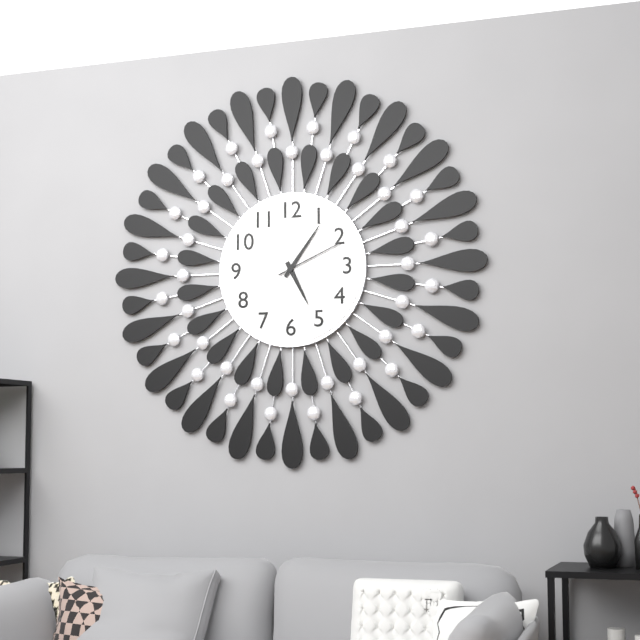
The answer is 5:06:11
